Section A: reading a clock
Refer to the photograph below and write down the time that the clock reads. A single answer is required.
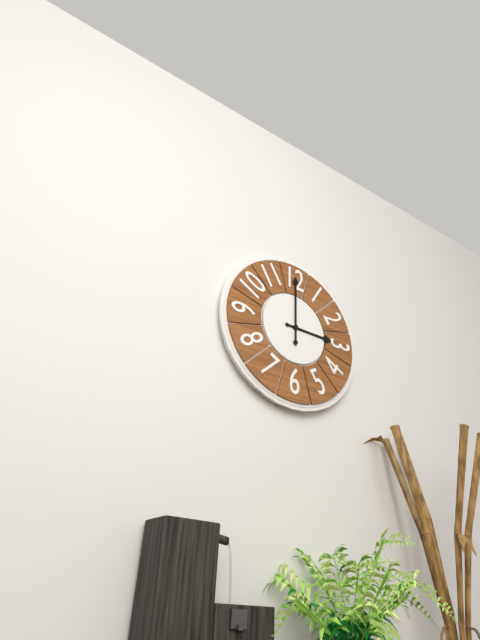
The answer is 3:00
